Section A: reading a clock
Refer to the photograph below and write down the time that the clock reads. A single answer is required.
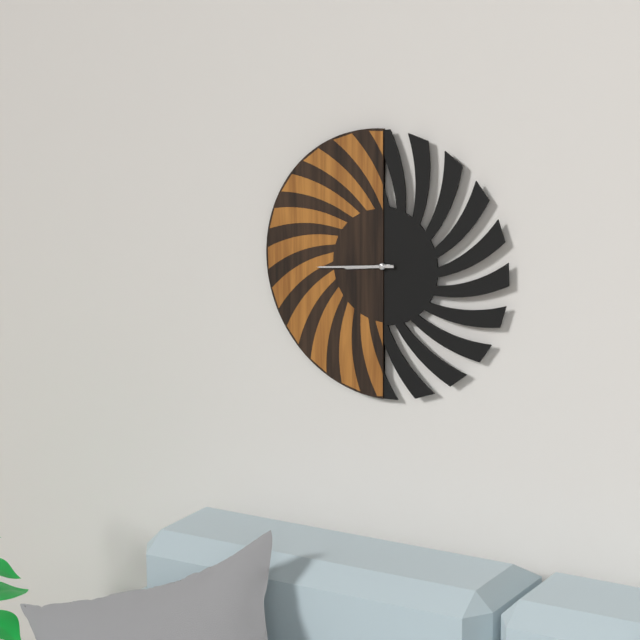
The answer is 8:44
